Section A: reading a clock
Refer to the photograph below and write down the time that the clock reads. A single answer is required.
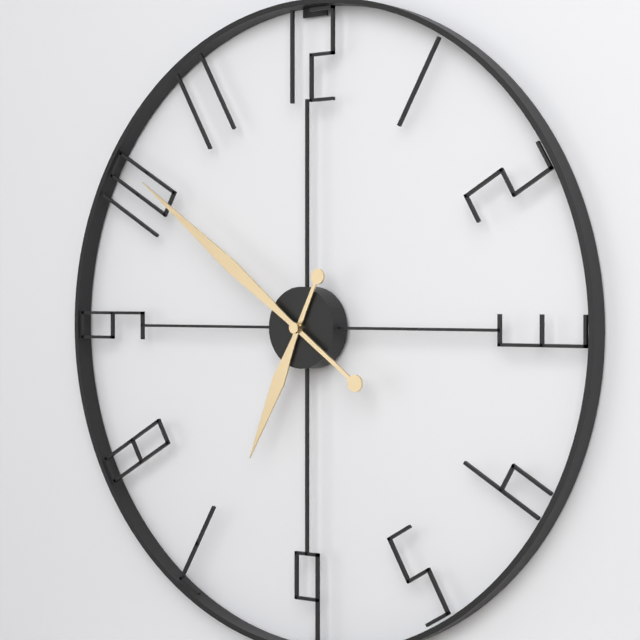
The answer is 6:51
